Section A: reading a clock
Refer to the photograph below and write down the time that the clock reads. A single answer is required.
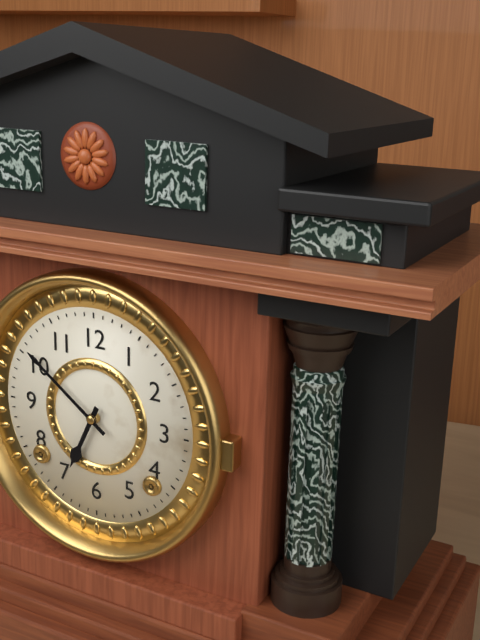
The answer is 6:51
